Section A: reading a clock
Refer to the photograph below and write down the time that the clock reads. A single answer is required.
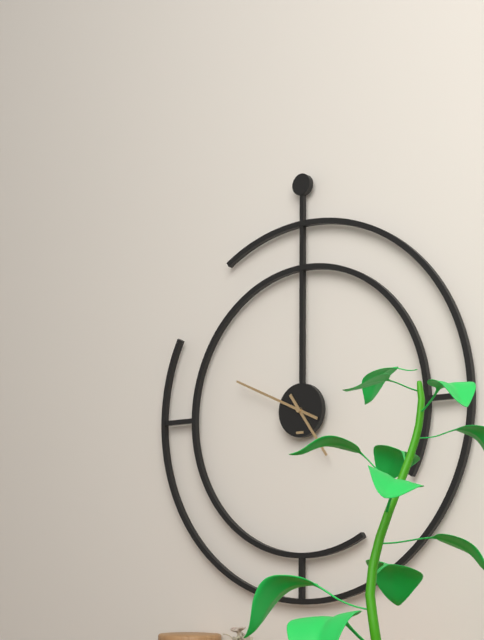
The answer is 4:49:49
